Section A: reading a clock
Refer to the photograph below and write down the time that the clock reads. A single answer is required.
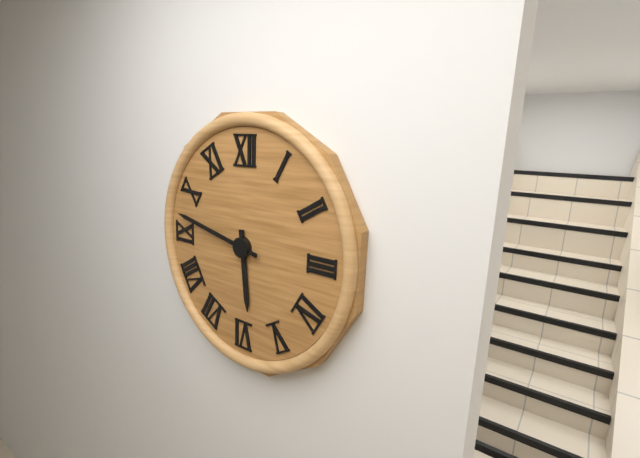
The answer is 5:47
